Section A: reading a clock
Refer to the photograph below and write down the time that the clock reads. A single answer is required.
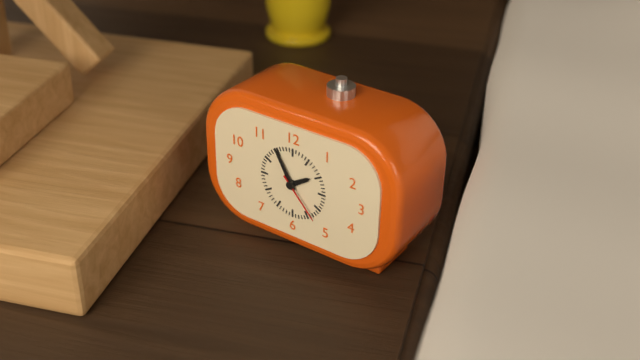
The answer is 1:55:23
